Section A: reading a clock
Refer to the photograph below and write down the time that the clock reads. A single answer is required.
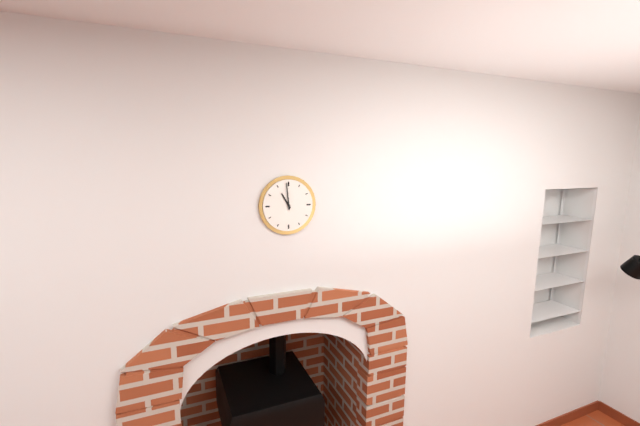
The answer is 10:59
